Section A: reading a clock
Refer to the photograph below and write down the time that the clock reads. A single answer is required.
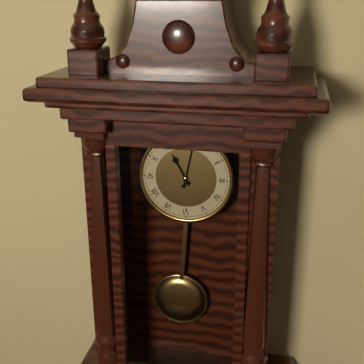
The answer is 11:02
